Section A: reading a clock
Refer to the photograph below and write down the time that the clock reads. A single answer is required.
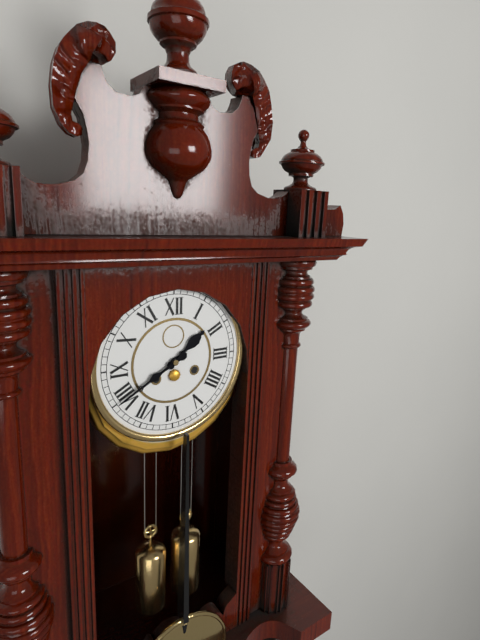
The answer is 1:40
